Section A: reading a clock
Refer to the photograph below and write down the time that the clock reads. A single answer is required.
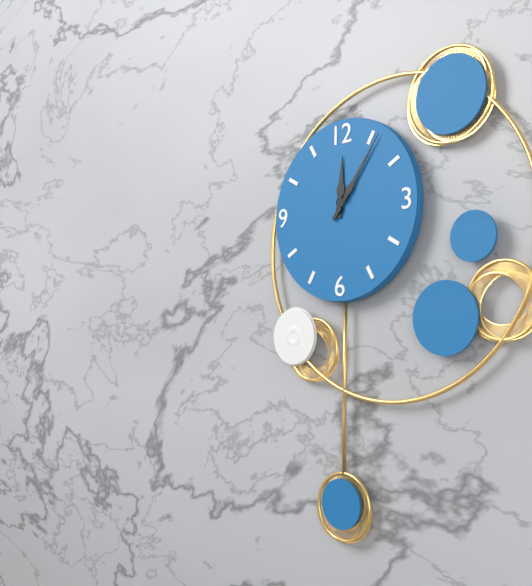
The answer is 12:06
